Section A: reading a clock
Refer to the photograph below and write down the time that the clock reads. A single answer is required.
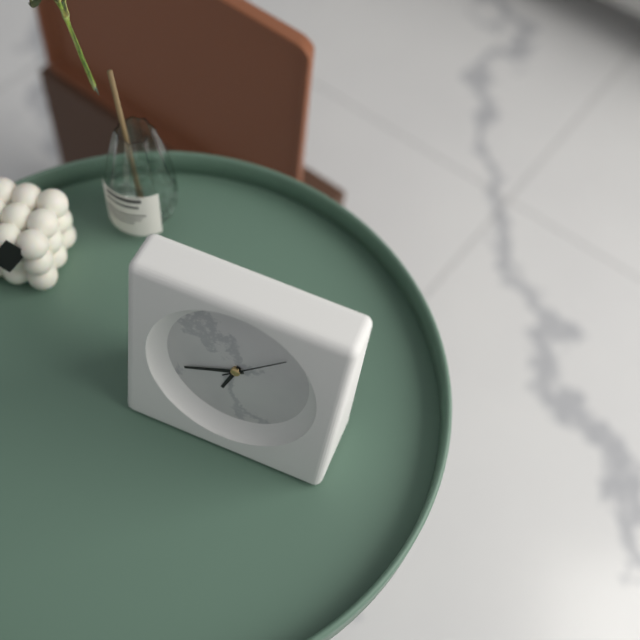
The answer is 6:41:08
